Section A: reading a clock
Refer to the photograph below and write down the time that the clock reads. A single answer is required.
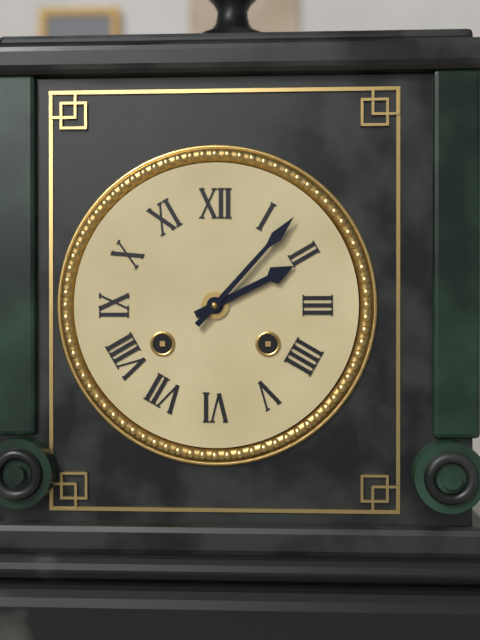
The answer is 2:07
